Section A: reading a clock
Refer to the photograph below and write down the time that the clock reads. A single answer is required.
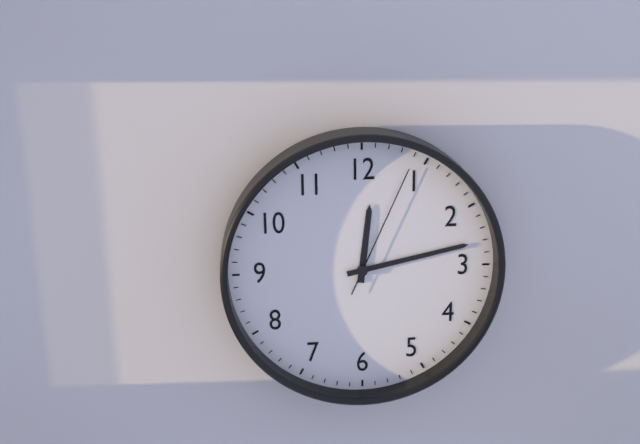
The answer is 12:13:04
